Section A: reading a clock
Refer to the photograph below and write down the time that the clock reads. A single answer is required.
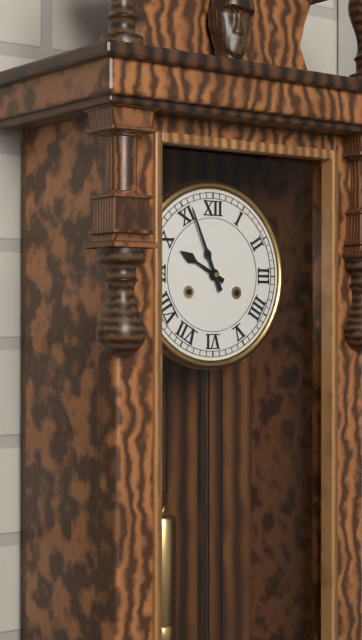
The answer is 9:56
